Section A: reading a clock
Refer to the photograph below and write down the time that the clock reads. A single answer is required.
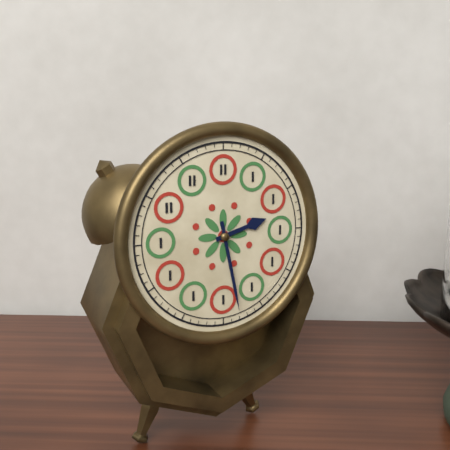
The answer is 2:28
